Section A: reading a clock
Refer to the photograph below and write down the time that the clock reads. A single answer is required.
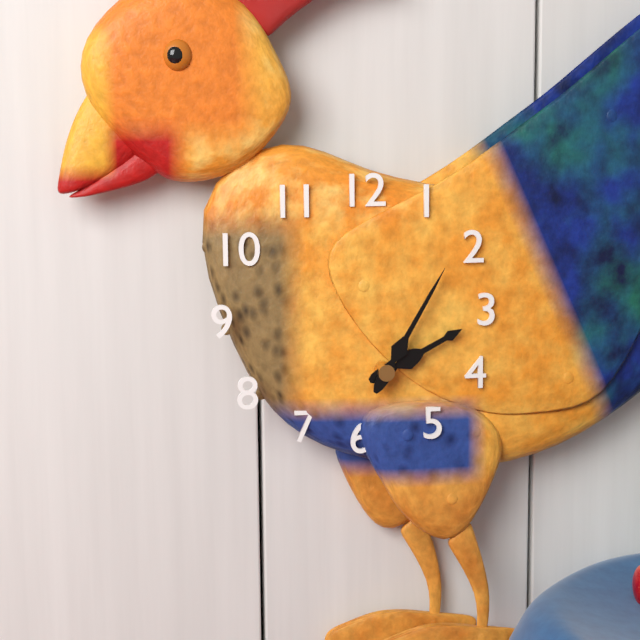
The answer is 2:05
